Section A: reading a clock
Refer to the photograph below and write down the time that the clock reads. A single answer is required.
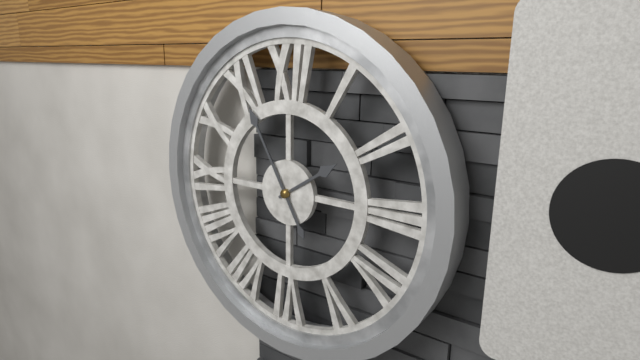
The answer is 1:55
